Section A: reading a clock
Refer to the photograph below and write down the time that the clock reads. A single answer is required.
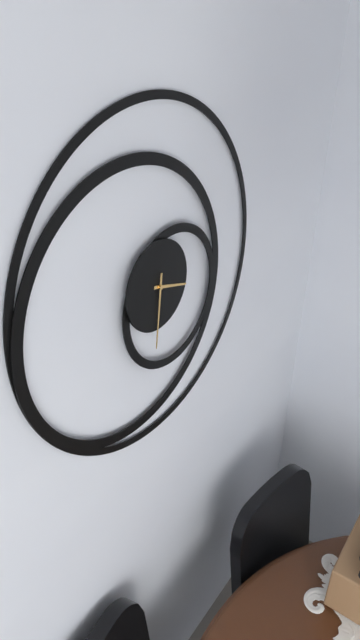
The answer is 3:31
